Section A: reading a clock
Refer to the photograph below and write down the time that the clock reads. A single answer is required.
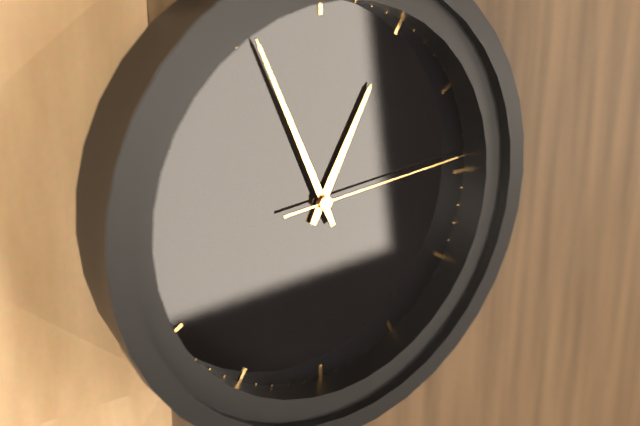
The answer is 12:56:14
